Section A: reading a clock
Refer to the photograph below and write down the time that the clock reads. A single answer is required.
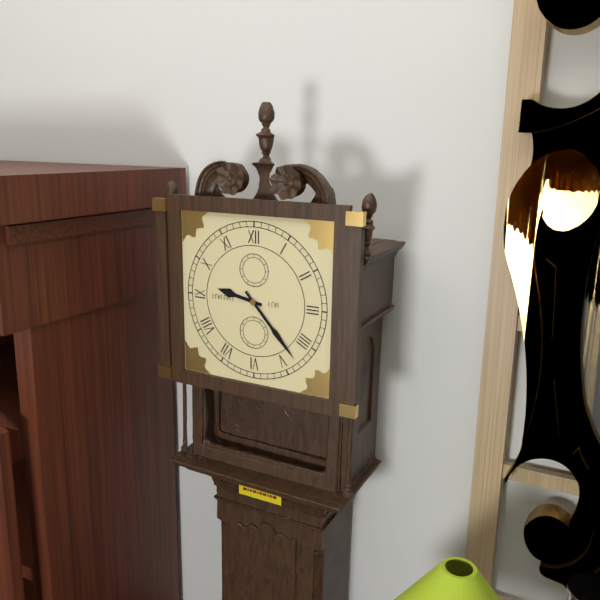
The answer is 9:23
